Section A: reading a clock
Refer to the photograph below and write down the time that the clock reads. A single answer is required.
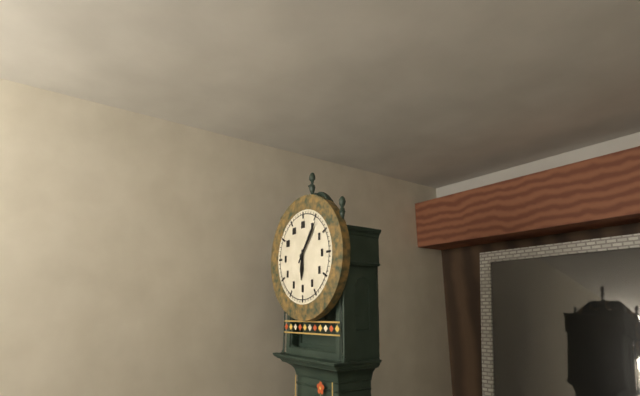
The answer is 6:06
